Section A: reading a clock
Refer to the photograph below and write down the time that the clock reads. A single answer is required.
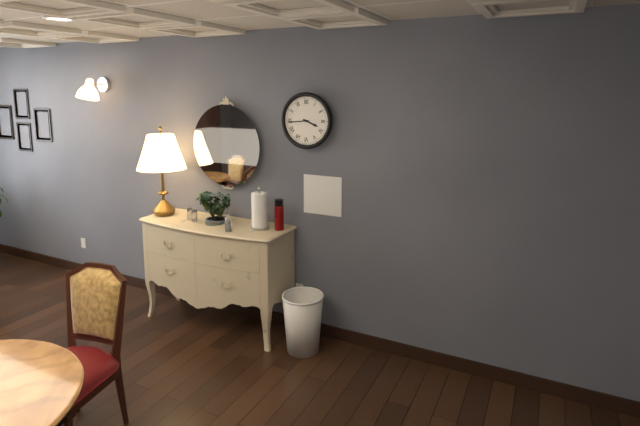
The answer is 3:44
